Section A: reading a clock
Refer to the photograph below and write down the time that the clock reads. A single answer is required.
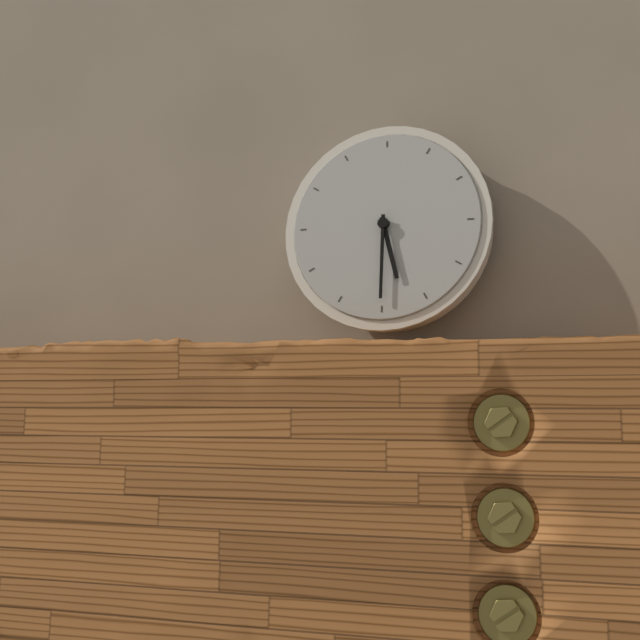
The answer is 5:30
